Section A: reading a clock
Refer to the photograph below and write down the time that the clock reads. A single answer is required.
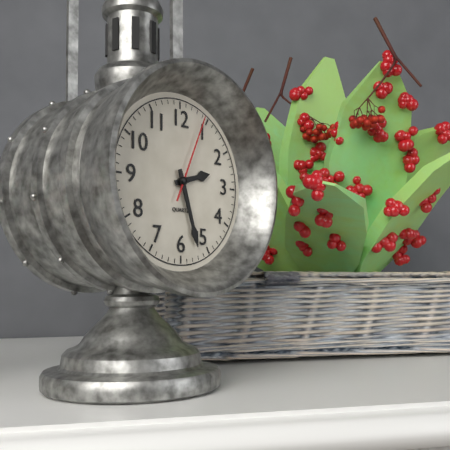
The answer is 2:27:04
